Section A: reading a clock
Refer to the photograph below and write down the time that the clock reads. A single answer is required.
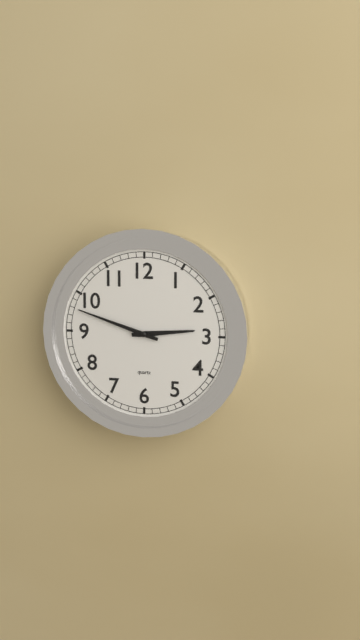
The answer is 2:48
